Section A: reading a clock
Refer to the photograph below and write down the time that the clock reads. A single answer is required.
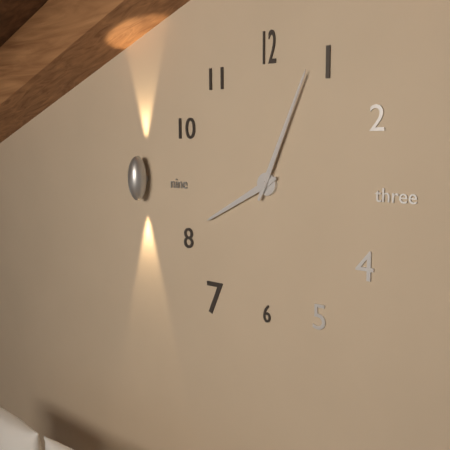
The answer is 8:04
